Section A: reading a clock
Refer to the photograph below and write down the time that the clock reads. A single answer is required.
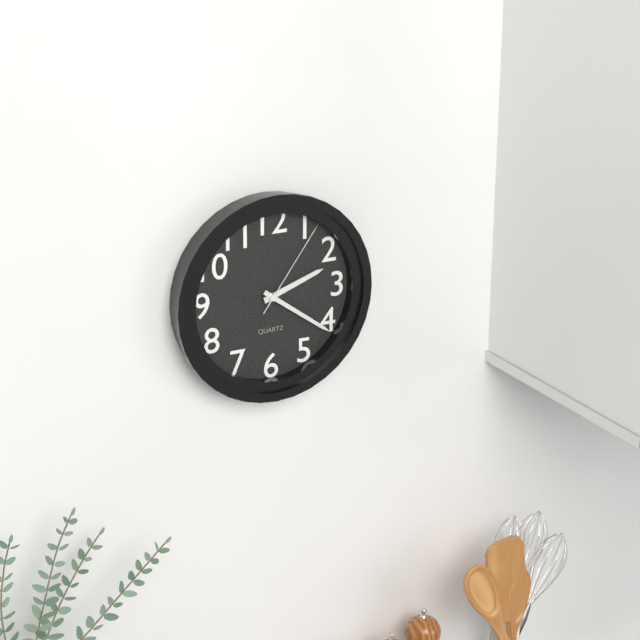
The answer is 2:21:06
